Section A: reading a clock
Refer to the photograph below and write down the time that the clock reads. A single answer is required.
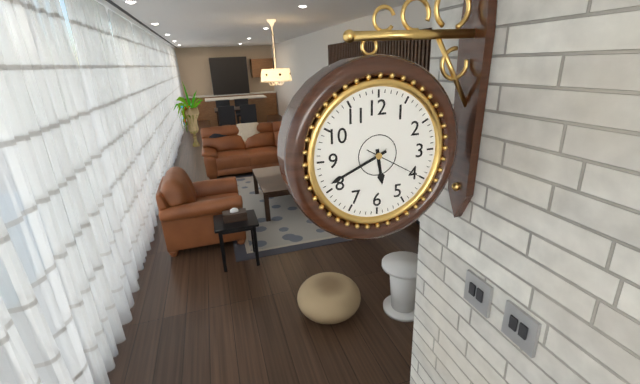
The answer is 5:41:20
